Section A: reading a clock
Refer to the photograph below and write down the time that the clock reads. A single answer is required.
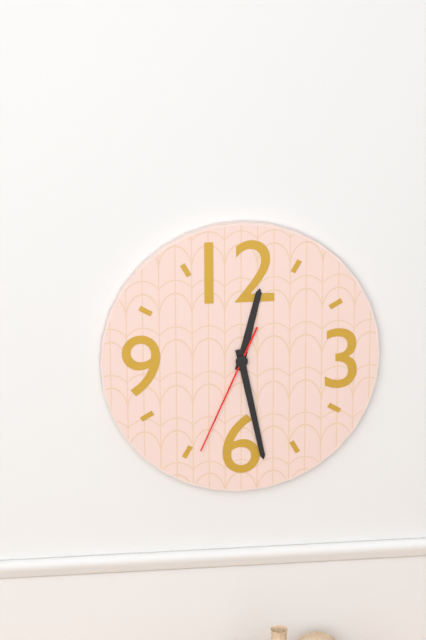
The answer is 12:28:34
